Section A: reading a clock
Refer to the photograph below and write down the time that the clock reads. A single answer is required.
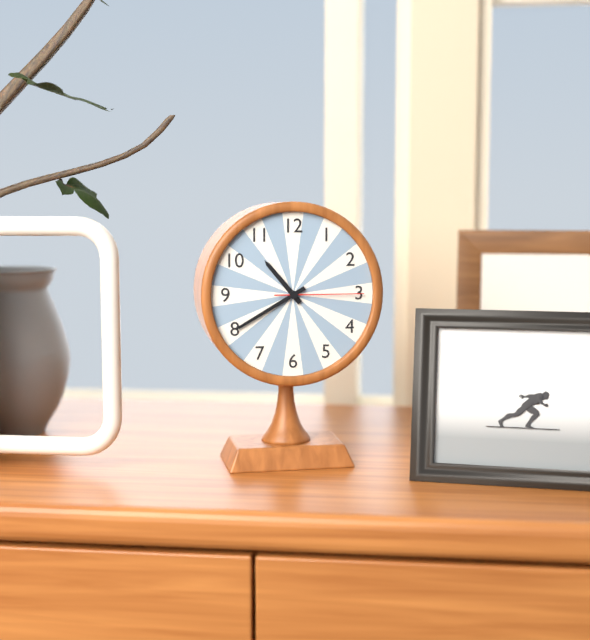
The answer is 10:40:15
